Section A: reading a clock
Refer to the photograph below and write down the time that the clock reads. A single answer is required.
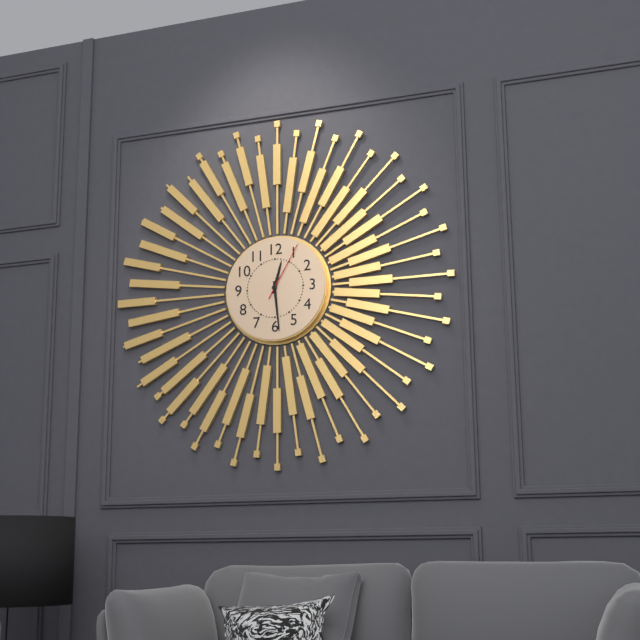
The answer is 12:29:05
